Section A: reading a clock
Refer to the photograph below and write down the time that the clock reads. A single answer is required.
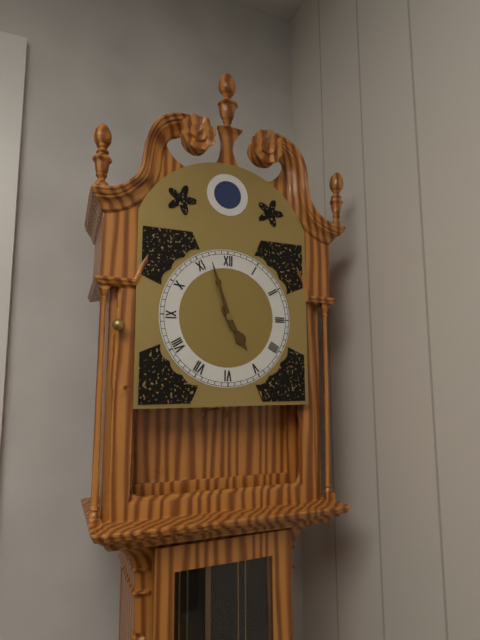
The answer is 4:57
